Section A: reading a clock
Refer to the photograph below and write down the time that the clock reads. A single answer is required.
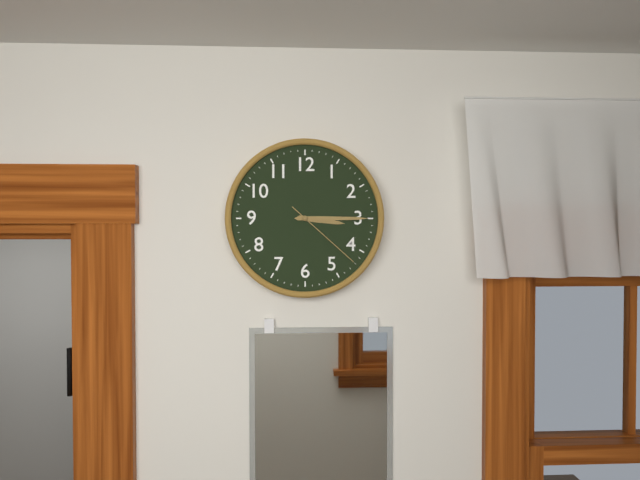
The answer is 3:15:22
